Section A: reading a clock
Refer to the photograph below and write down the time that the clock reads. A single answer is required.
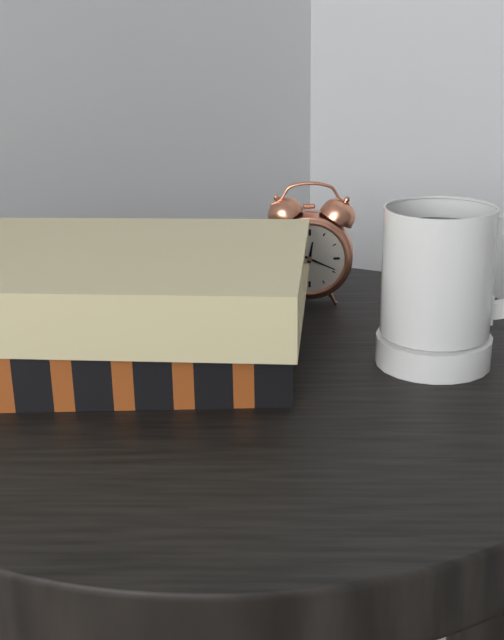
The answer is 12:19
